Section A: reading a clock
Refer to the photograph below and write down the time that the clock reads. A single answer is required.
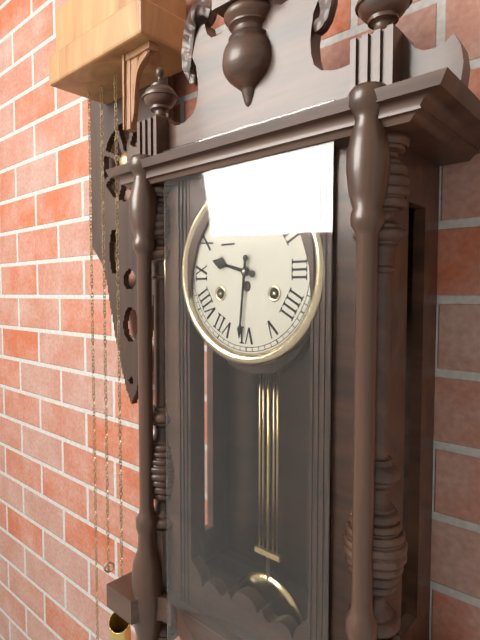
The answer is 9:31
